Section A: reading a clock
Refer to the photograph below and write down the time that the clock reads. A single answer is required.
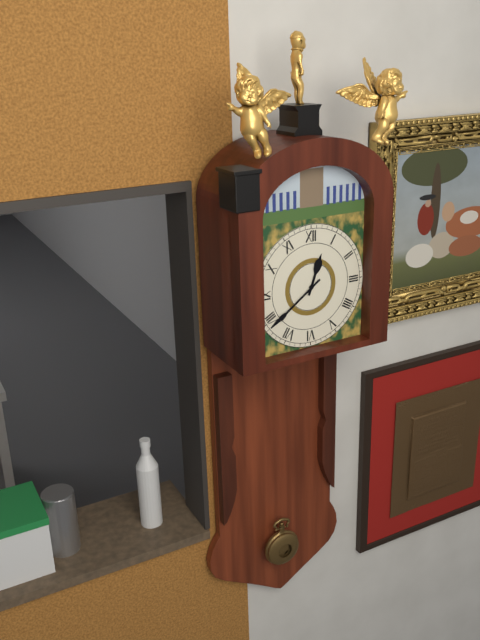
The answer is 12:39
